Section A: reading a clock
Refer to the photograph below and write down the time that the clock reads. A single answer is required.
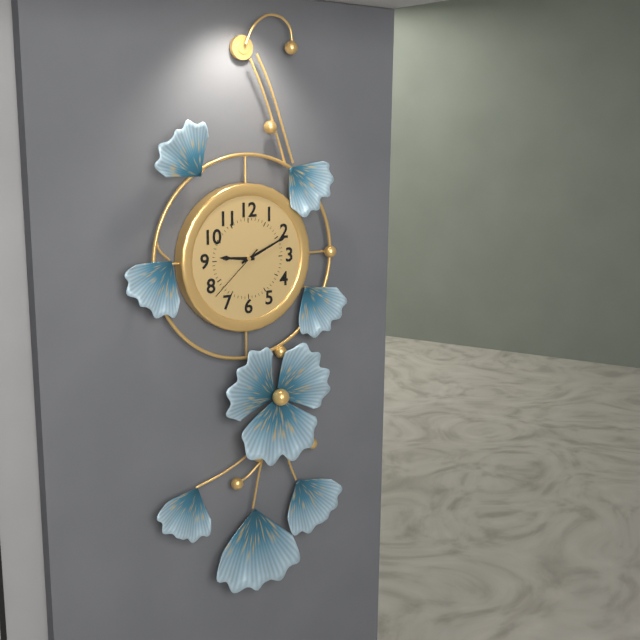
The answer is 9:11:38
